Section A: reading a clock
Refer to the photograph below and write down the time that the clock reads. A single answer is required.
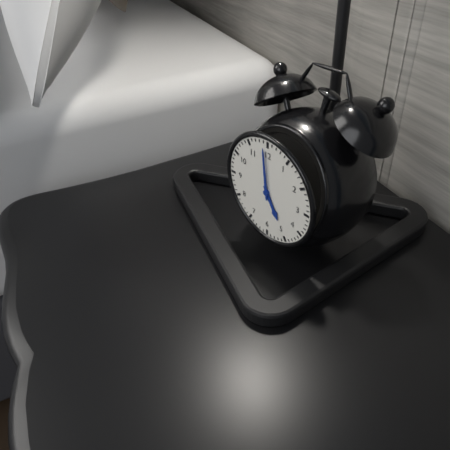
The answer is 4:59
